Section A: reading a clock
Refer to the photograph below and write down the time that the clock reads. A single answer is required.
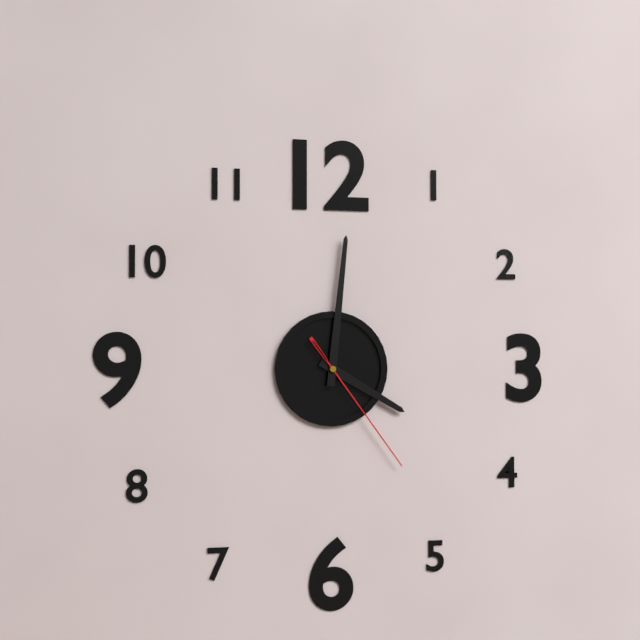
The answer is 4:01:24
